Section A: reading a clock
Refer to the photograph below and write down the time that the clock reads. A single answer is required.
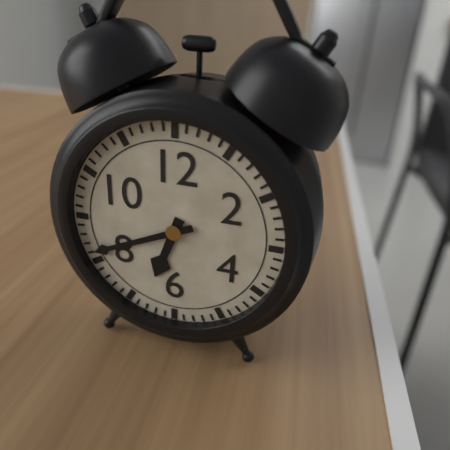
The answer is 6:41
